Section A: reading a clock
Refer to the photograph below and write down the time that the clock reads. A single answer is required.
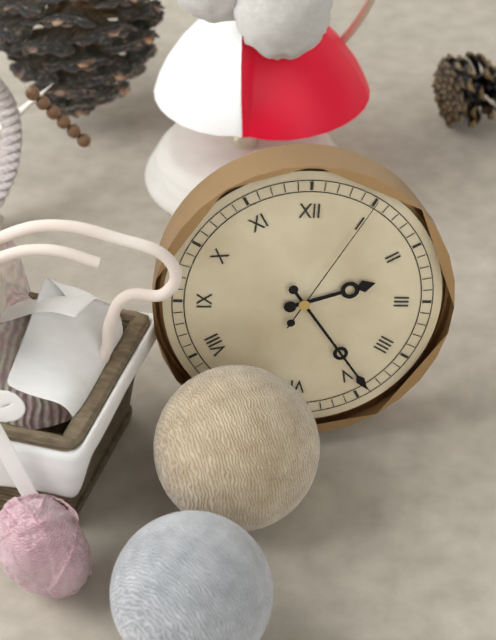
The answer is 2:24:05
